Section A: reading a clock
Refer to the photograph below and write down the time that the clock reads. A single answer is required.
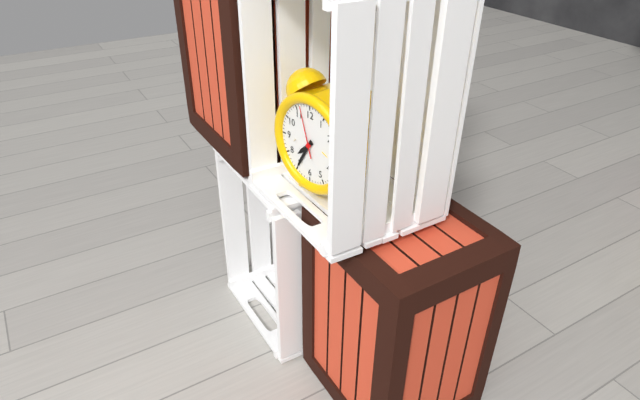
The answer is 7:35:57
